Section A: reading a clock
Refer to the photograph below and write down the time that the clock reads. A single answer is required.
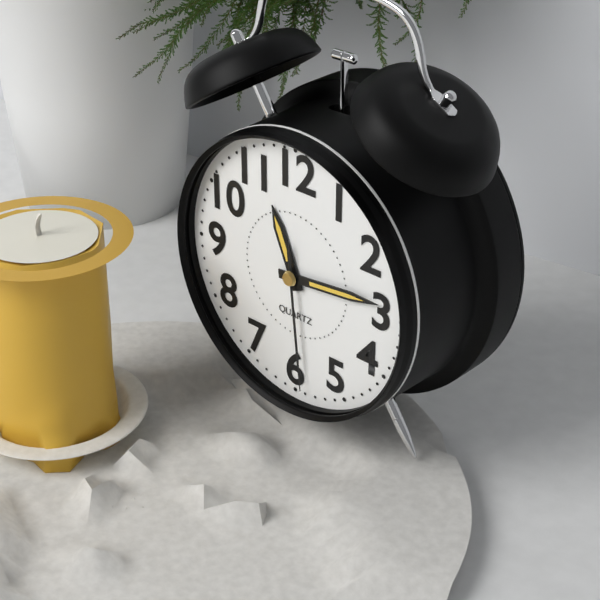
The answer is 11:14:29
